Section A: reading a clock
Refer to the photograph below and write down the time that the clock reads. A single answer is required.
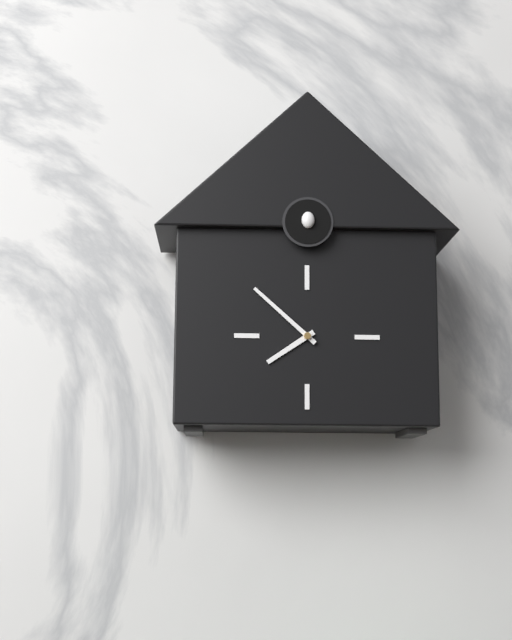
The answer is 7:52
